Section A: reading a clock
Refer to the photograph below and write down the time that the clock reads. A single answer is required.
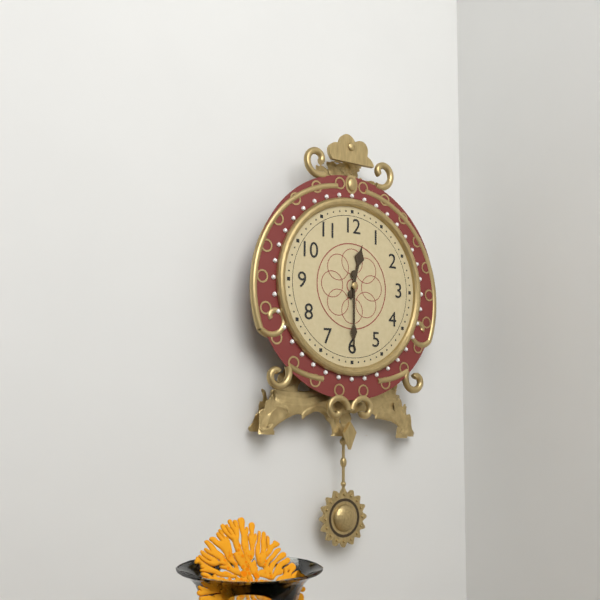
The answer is 12:30
